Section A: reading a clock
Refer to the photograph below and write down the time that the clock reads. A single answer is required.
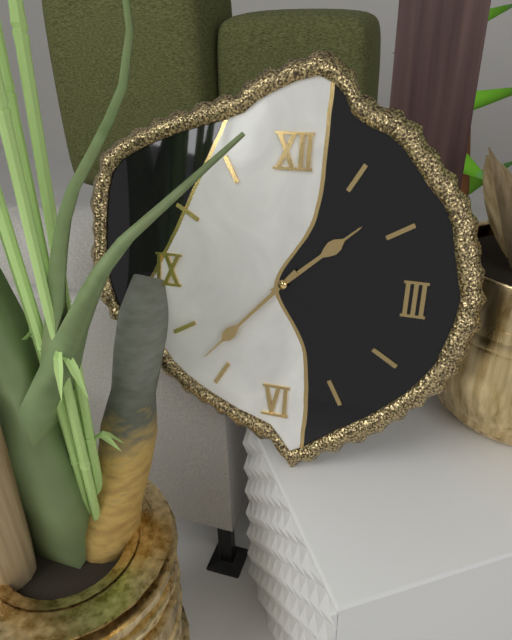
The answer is 1:37
